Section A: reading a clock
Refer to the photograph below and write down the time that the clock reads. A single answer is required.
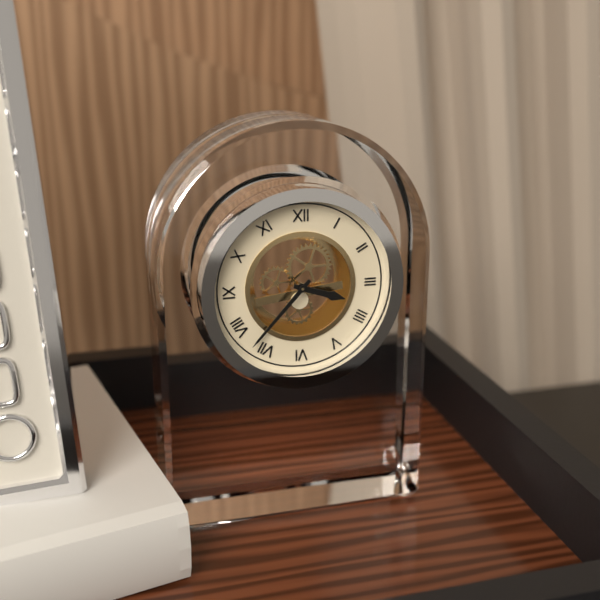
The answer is 3:37
